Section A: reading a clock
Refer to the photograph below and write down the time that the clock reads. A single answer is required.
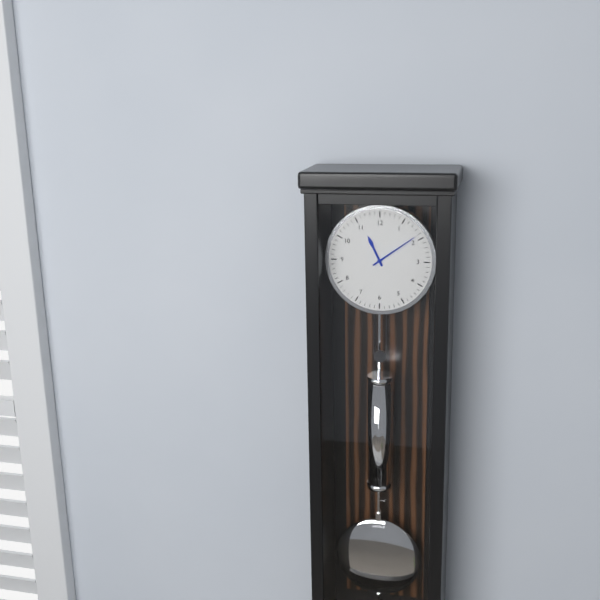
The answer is 11:09
